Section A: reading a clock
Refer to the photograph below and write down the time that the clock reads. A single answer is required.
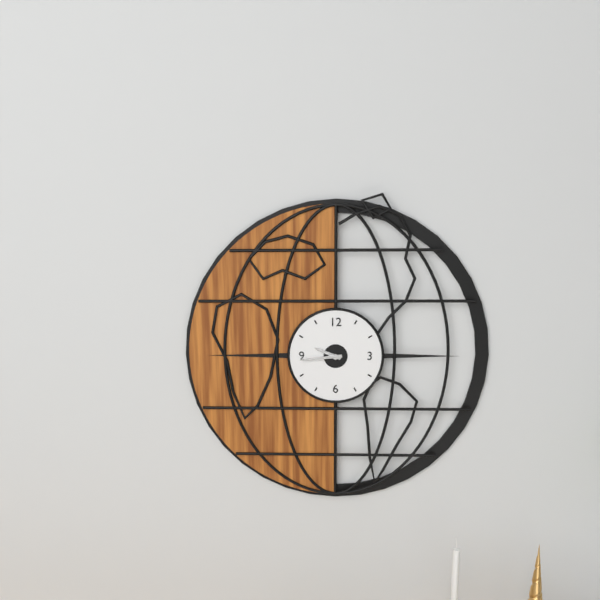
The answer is 9:44
